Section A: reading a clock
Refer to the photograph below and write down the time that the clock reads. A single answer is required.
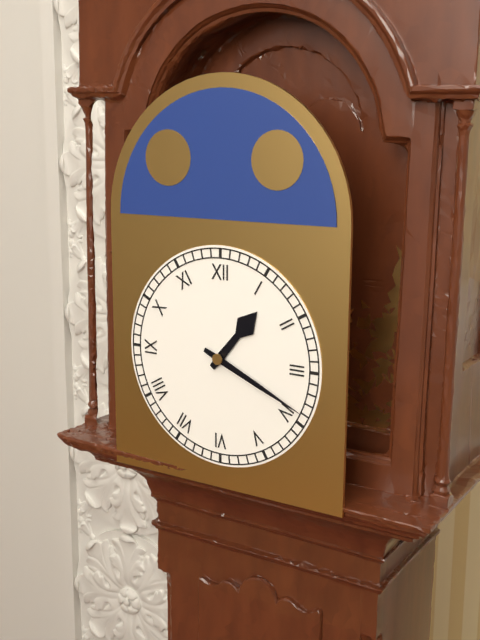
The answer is 1:19
